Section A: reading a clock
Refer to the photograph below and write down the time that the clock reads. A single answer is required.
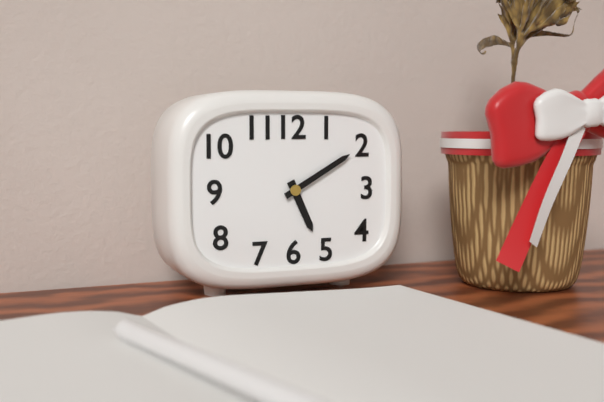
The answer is 5:10
